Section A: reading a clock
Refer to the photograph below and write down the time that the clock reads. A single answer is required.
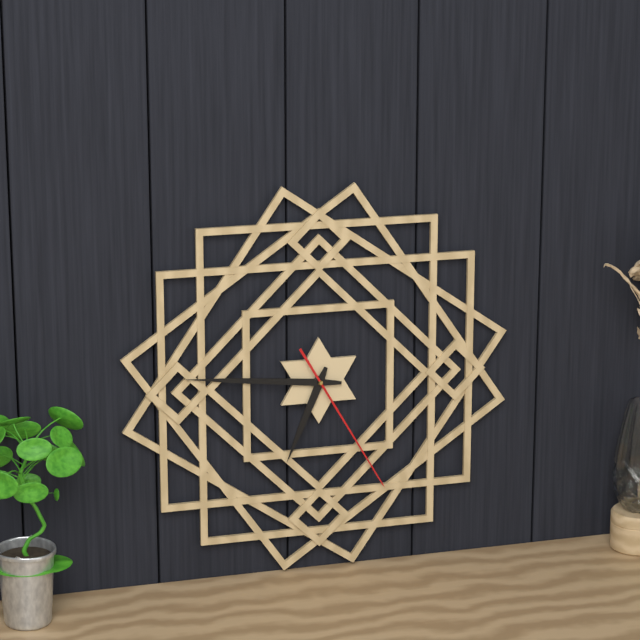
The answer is 6:46:25
